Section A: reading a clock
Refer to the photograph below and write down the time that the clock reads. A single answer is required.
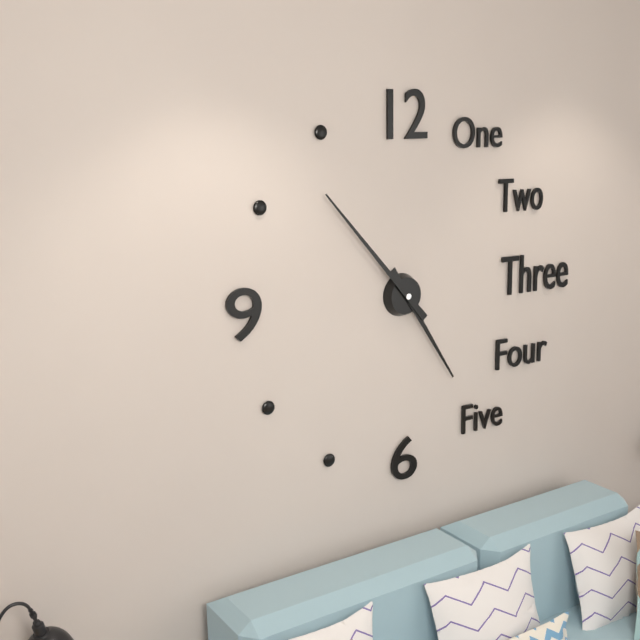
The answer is 4:53
